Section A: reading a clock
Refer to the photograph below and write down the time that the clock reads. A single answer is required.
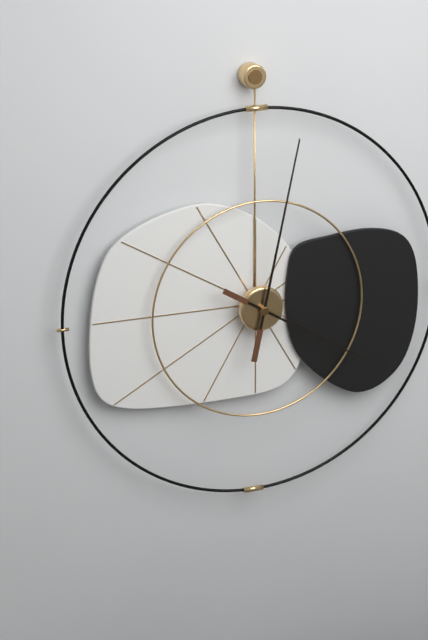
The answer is 4:02
